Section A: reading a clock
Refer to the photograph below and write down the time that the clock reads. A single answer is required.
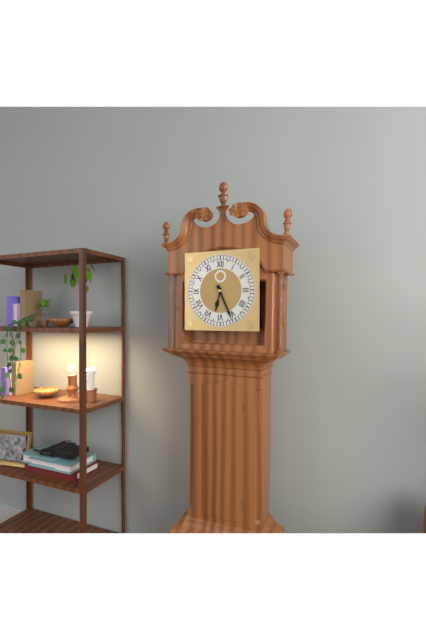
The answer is 6:26
